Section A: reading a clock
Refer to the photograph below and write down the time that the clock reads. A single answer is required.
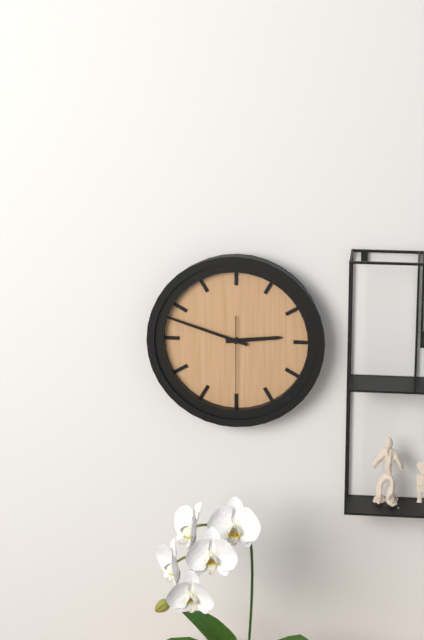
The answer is 2:48:30
